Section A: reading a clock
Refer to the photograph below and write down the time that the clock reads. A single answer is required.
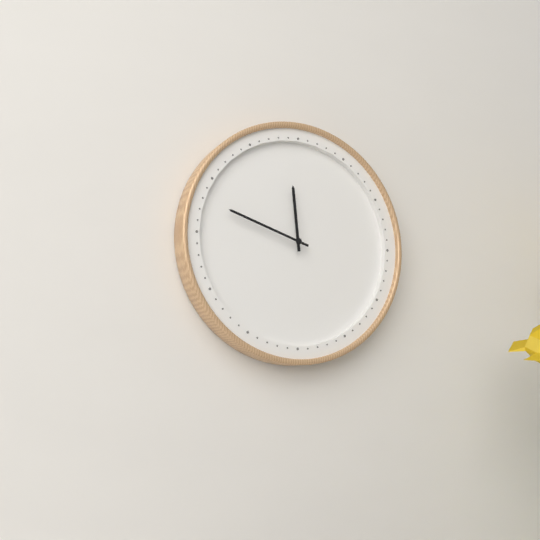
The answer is 11:48
